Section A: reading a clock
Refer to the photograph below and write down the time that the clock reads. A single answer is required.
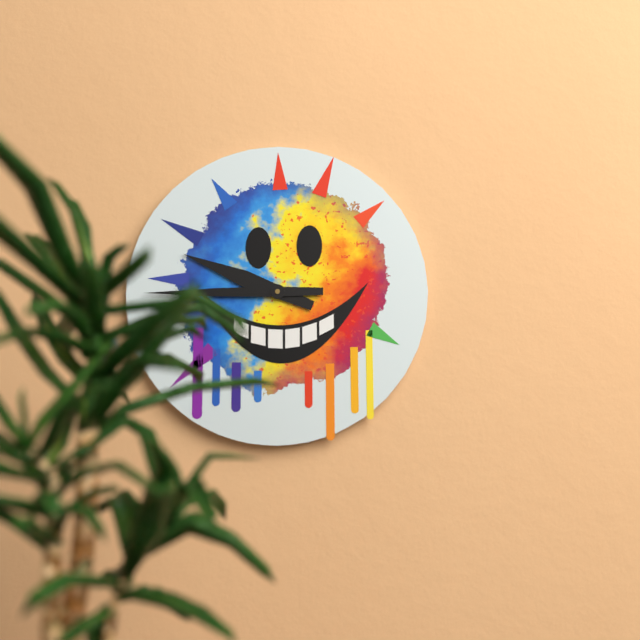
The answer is 9:45
